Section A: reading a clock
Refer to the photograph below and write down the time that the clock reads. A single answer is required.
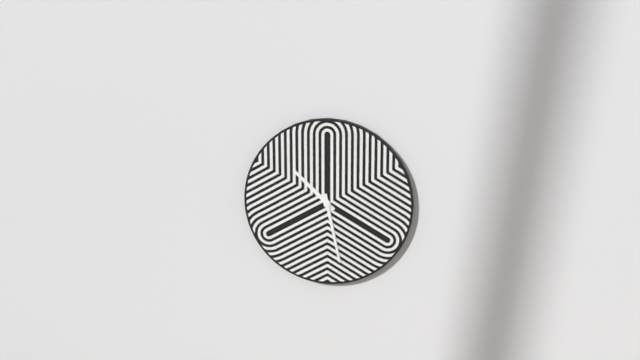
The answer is 10:28
